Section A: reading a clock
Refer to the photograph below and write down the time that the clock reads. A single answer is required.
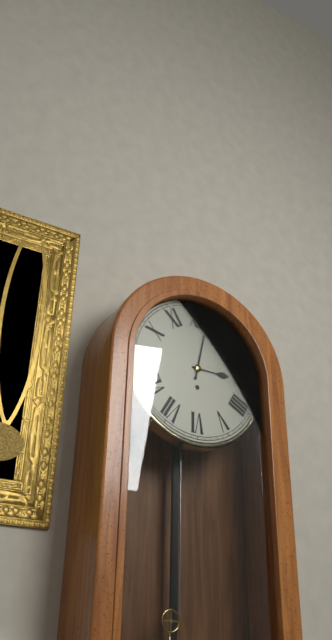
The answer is 3:02
